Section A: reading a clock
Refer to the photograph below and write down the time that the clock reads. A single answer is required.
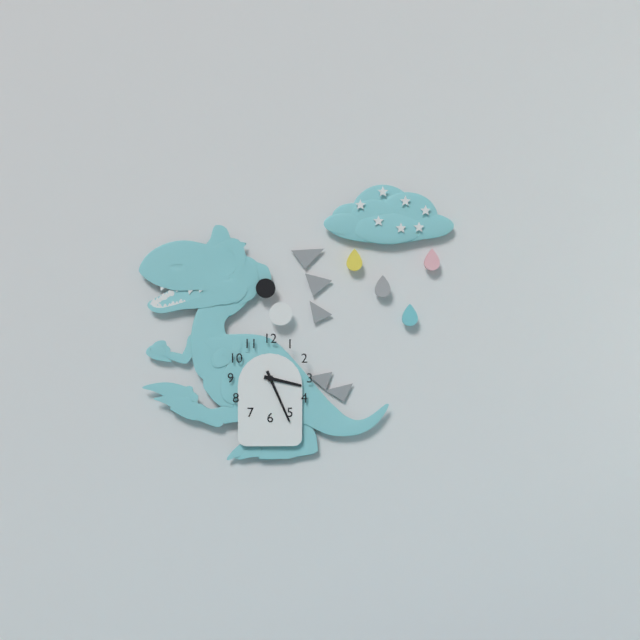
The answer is 3:26
